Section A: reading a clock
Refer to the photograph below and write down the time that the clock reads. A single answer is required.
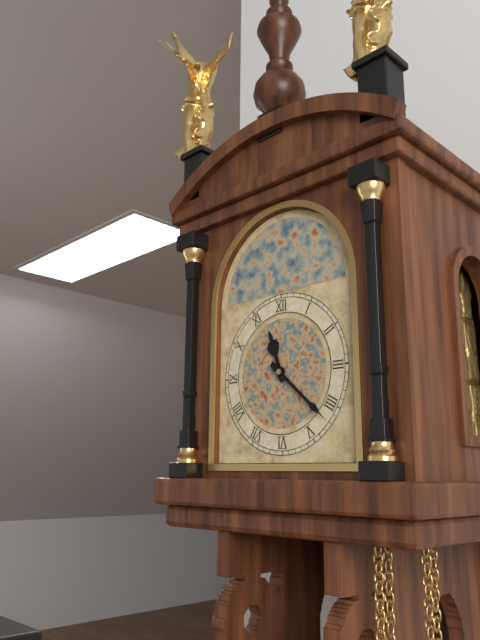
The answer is 11:22
